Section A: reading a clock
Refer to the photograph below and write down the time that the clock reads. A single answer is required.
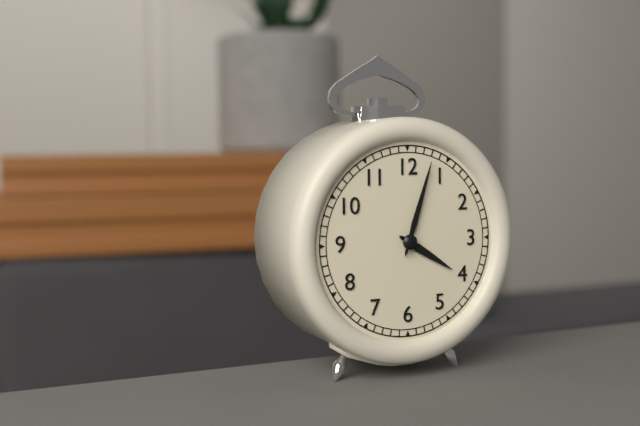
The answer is 4:03
